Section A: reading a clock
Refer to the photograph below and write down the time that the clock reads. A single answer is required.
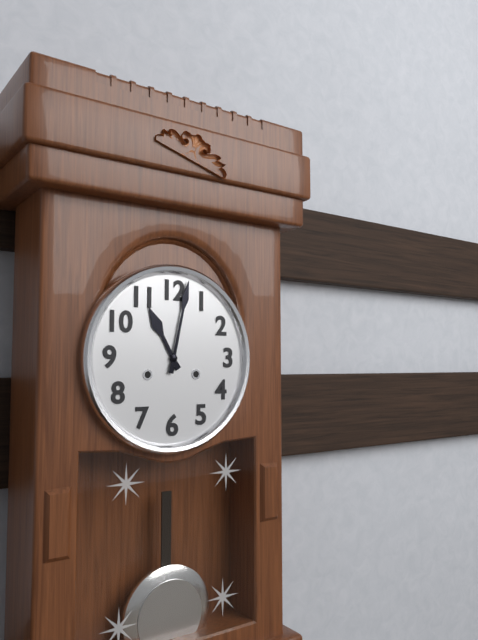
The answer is 11:02
